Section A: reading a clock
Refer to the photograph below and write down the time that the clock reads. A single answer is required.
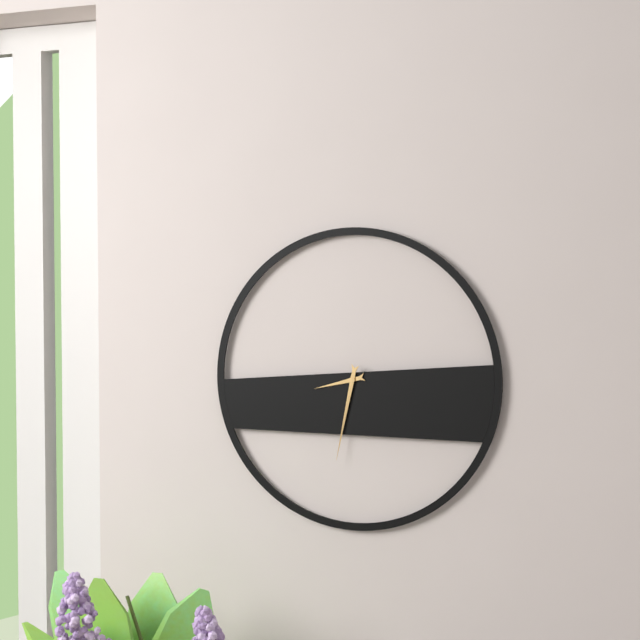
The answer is 8:32
